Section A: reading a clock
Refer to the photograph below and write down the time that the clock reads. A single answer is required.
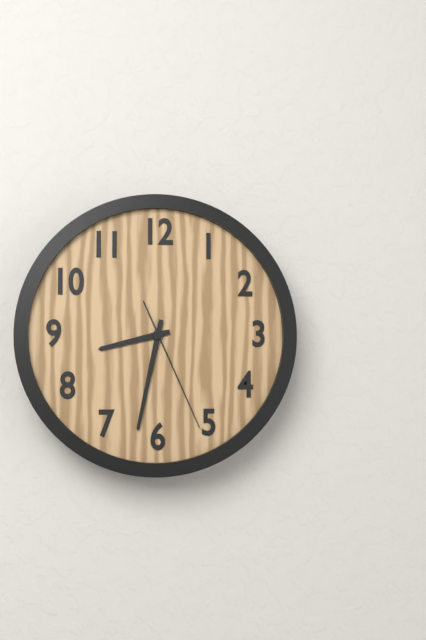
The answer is 8:32:26
